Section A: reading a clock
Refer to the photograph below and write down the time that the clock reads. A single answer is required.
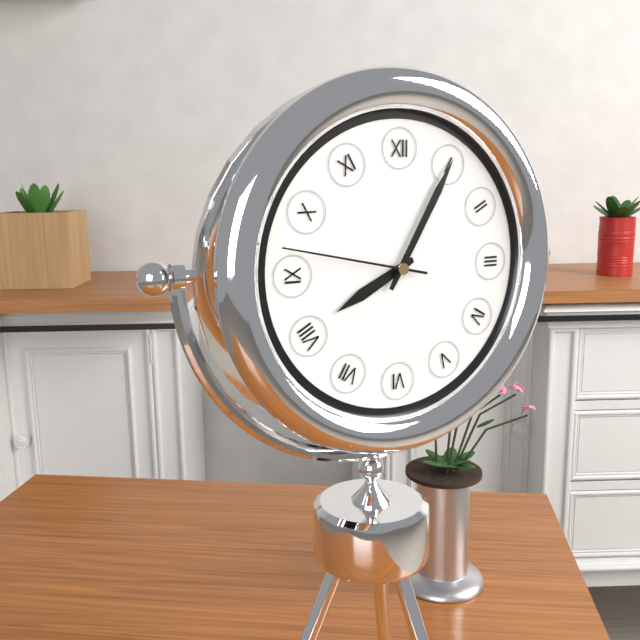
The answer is 8:05:47
